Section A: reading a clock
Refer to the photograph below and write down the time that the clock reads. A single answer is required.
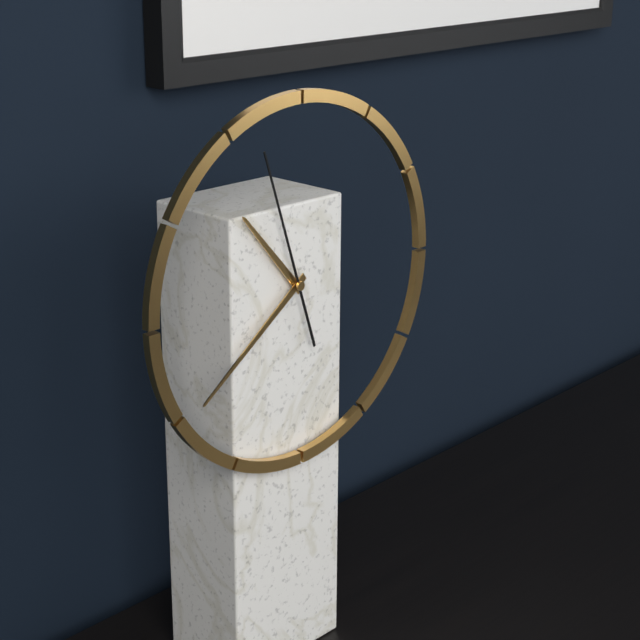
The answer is 10:39:57
